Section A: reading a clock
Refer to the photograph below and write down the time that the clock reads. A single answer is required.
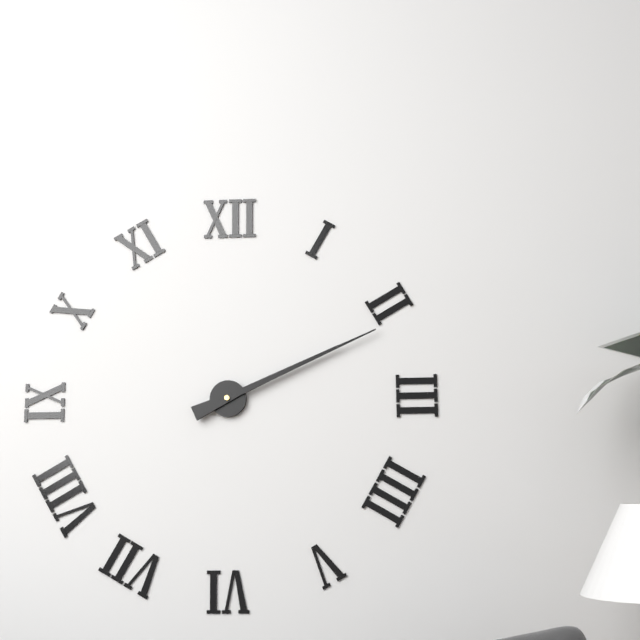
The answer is 2:11
